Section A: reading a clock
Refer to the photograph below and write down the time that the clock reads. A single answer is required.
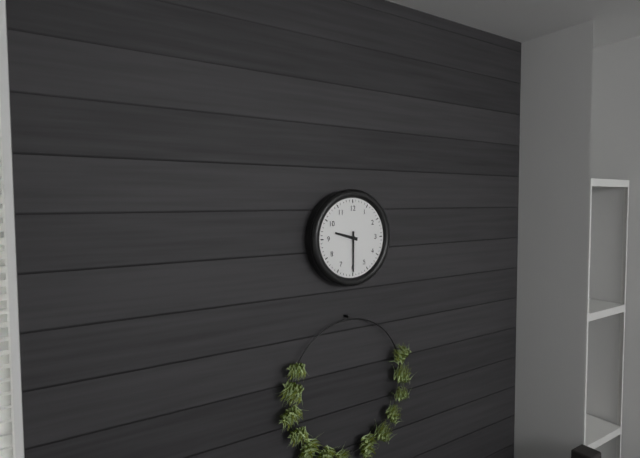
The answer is 9:30
